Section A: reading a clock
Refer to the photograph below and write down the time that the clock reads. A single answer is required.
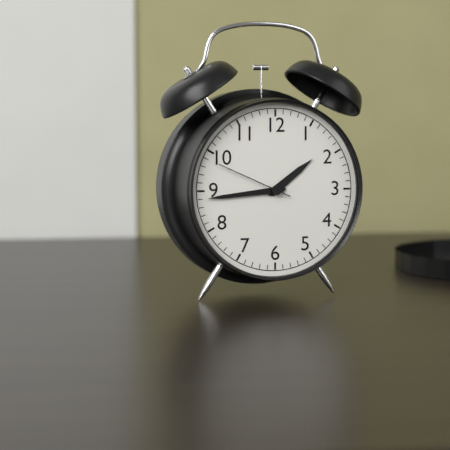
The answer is 1:44:49
